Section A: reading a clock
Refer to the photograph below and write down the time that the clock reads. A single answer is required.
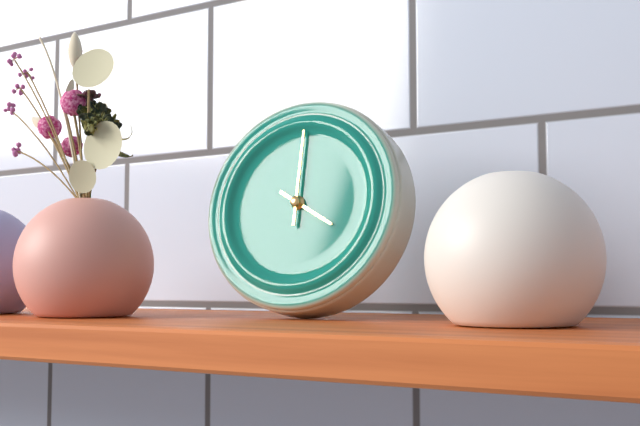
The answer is 4:00
